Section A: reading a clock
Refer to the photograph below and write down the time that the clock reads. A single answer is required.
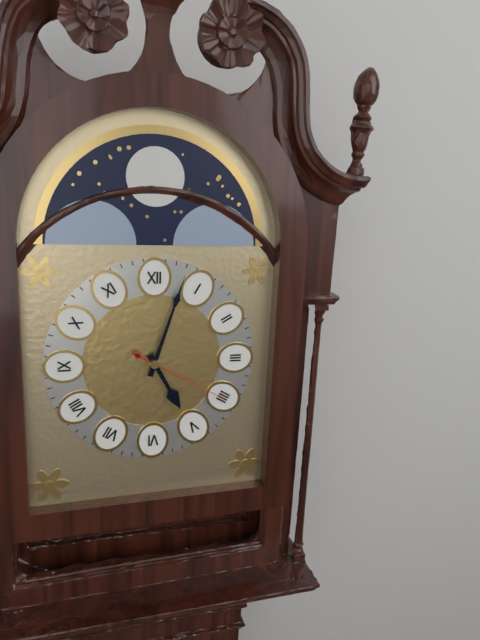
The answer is 5:03:20
